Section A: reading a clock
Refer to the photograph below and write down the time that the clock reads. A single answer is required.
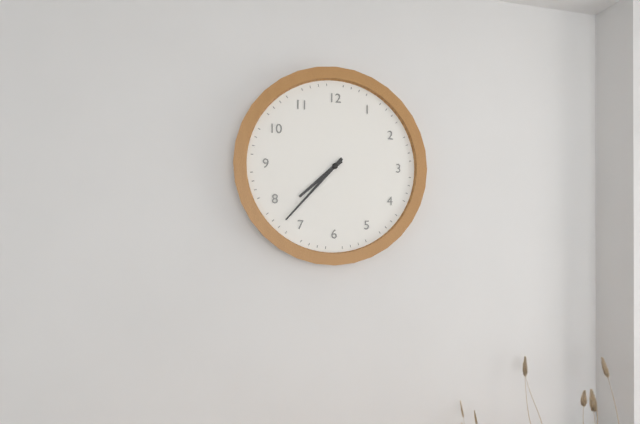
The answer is 7:37
